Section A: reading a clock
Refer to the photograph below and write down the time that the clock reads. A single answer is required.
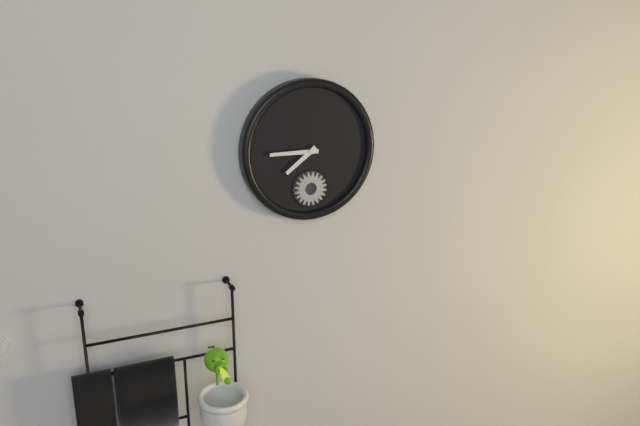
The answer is 7:45
